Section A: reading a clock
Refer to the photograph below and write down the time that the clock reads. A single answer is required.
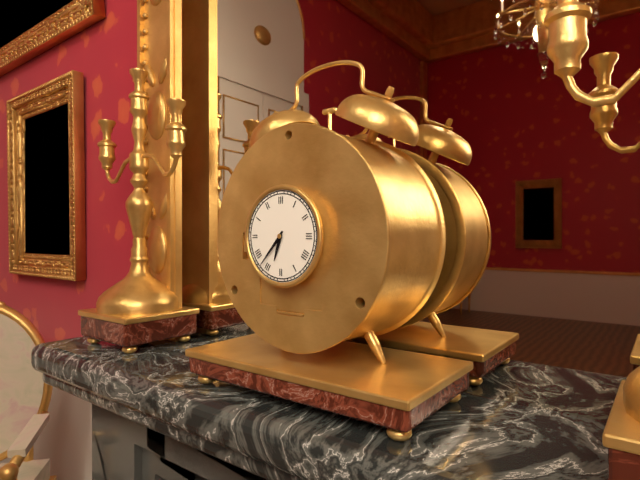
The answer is 6:37
